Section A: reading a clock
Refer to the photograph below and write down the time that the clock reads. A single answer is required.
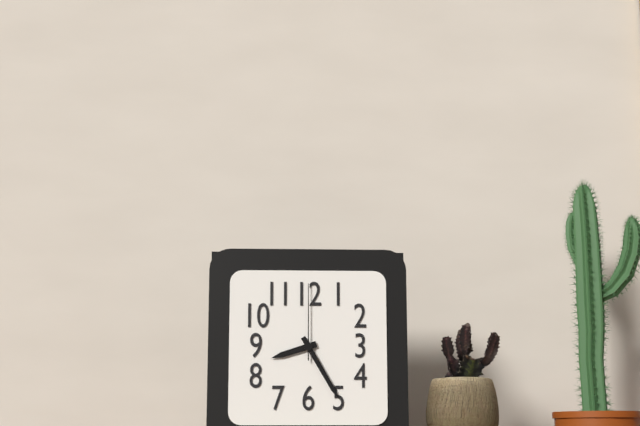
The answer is 8:25:00
